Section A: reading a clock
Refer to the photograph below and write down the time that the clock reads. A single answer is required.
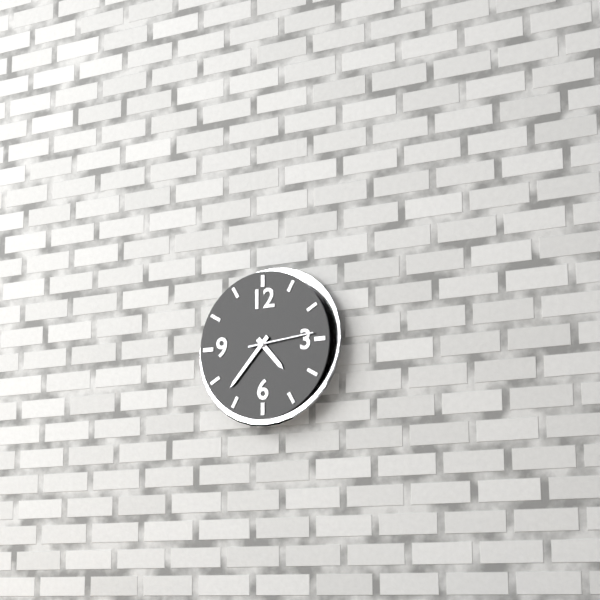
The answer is 4:37:14
